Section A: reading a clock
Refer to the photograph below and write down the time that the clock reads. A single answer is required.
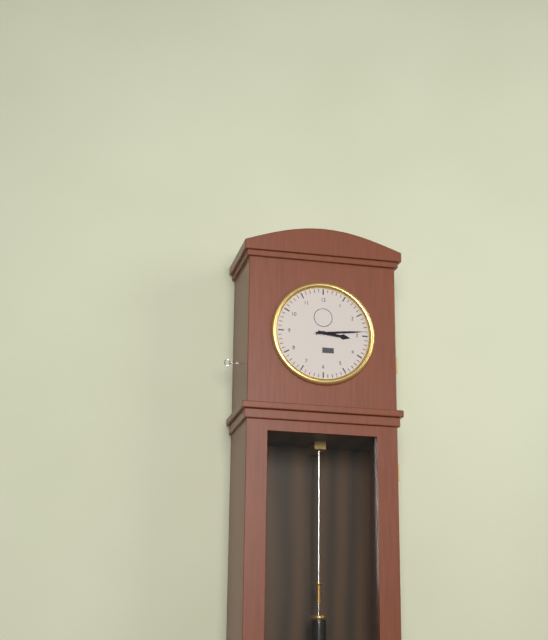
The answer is 3:14
